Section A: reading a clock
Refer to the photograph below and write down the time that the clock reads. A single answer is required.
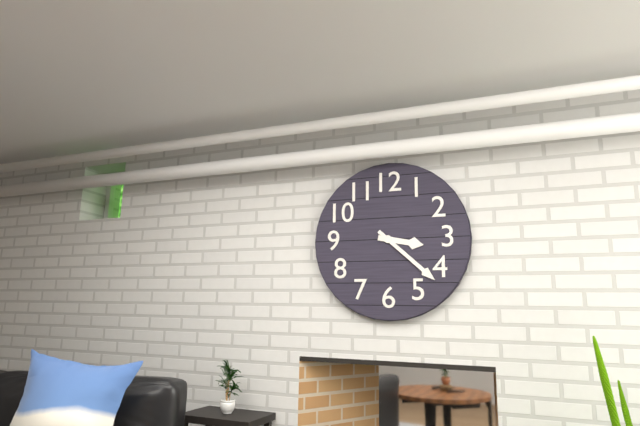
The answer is 3:22
